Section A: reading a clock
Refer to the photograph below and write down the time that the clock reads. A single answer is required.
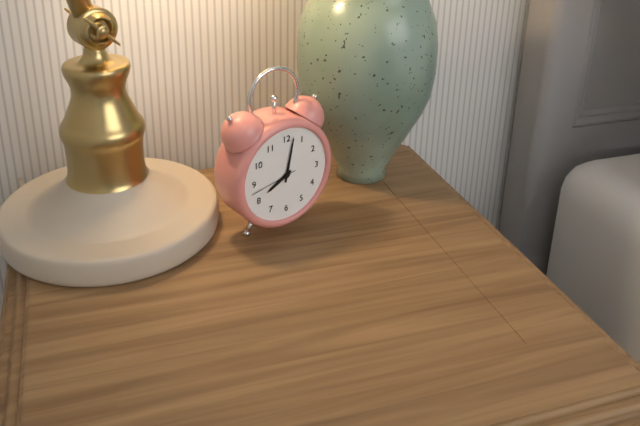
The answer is 8:02:43
